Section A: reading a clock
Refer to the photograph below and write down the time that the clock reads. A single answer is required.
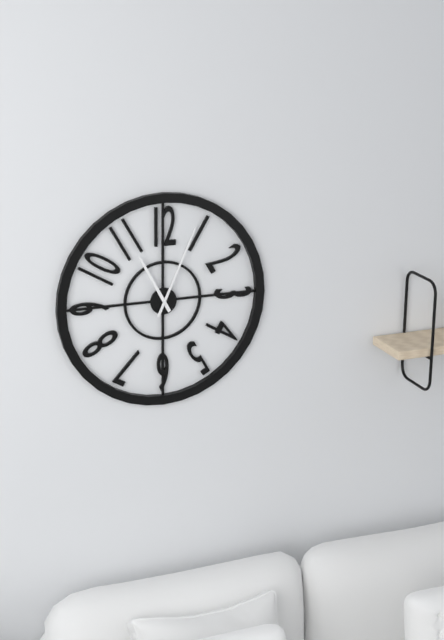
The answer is 11:04
